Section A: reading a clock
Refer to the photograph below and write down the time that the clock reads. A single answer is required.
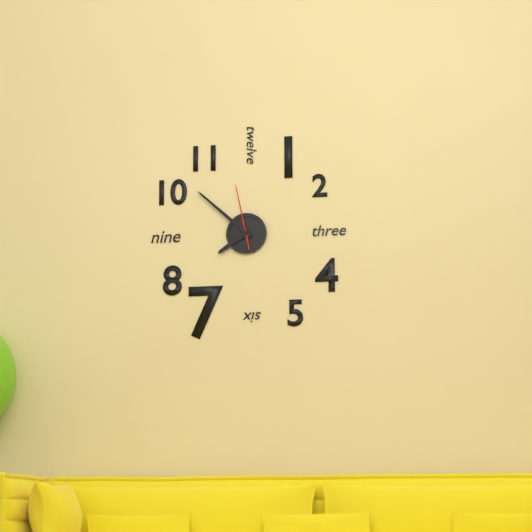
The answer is 7:52:58
